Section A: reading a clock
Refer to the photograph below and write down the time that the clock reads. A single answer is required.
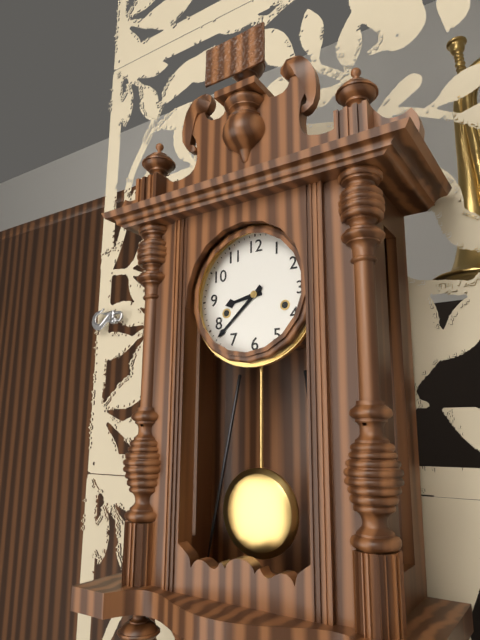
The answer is 8:38
